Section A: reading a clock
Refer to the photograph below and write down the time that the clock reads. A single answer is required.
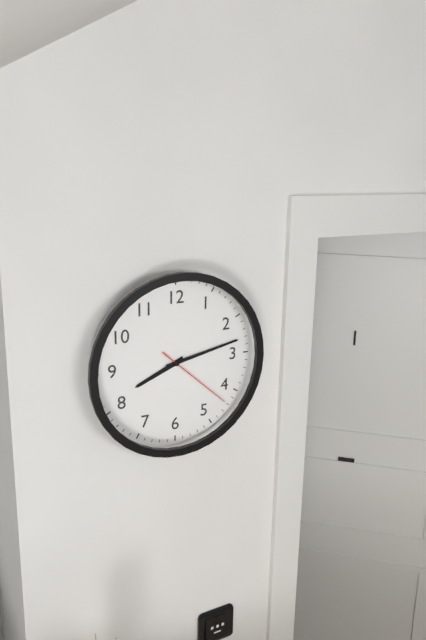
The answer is 8:13:22
